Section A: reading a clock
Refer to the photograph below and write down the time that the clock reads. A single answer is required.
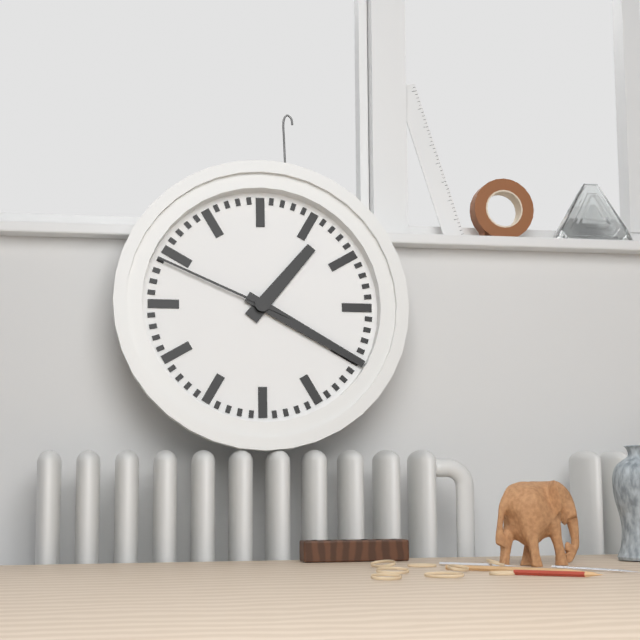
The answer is 1:20:49
